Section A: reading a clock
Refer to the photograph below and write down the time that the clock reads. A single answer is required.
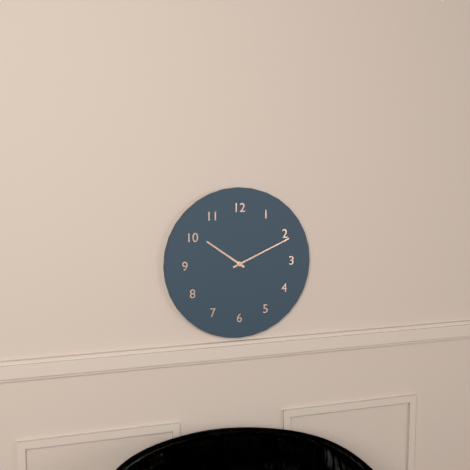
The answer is 10:11
